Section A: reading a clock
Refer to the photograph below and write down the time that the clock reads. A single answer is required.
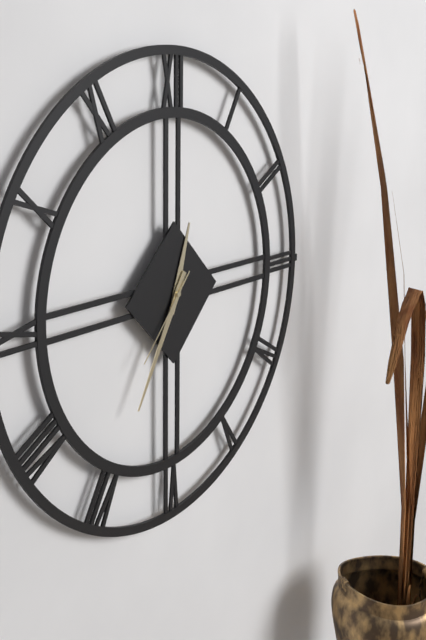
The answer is 12:35:37
